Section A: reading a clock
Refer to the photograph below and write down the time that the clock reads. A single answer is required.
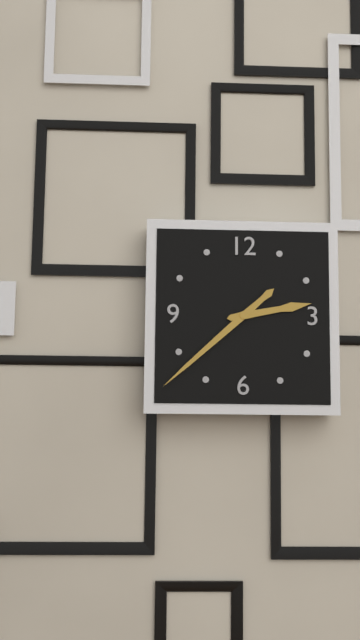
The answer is 2:38
